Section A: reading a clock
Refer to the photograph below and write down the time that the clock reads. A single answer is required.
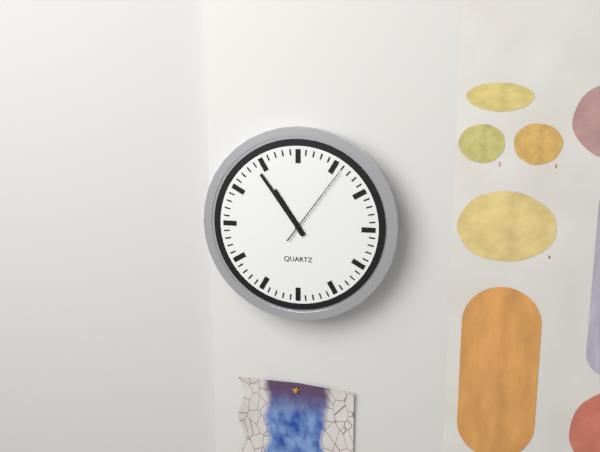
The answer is 10:54:06
